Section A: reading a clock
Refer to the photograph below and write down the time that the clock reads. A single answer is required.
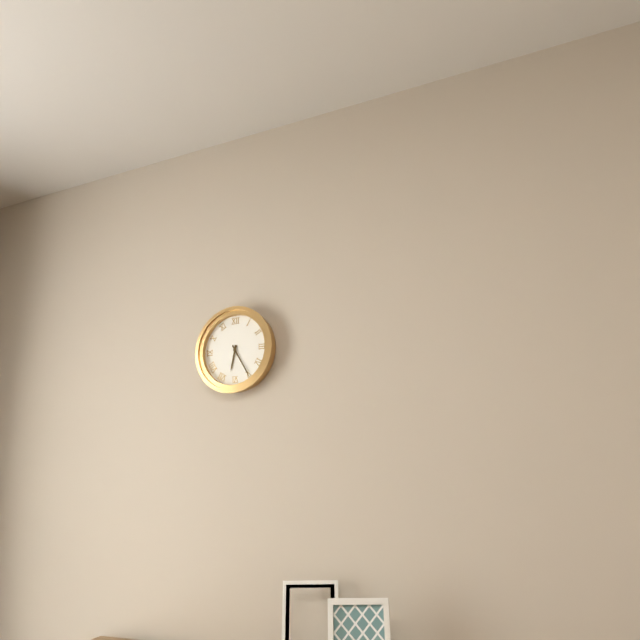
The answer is 6:25
